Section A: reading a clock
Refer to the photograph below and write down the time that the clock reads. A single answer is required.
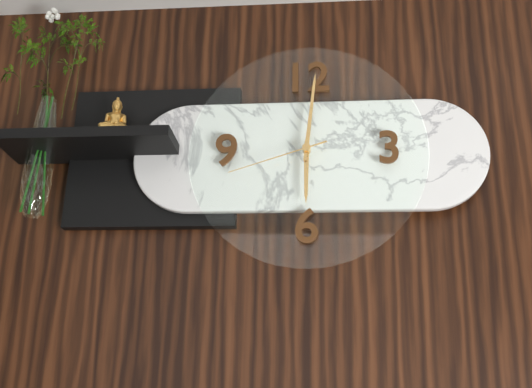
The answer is 6:01:42
